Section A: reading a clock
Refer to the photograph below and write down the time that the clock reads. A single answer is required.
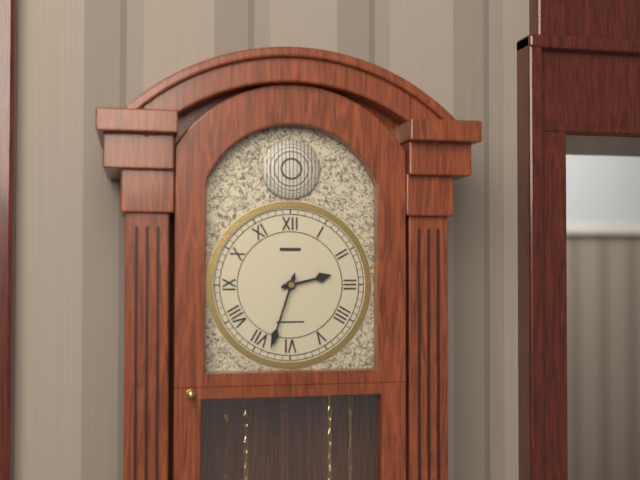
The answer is 2:33
